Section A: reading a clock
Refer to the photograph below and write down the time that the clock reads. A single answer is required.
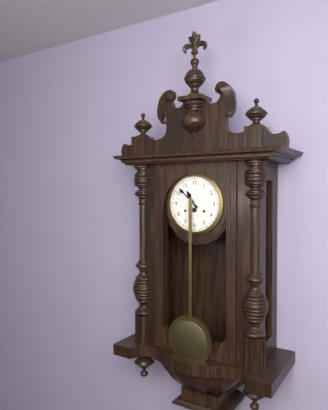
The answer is 10:52
